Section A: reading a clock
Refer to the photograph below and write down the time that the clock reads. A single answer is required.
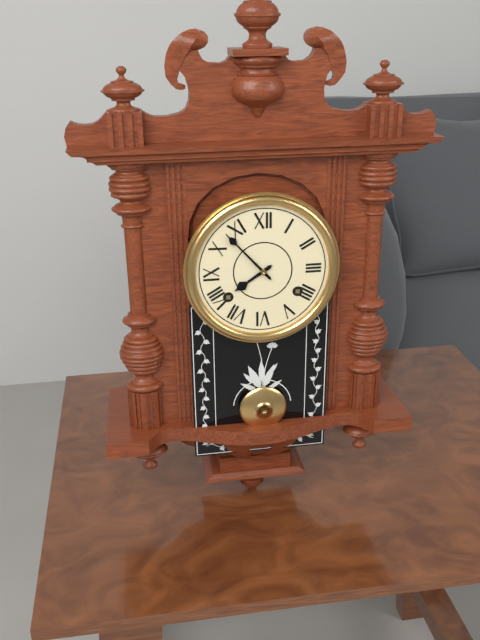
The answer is 7:53
